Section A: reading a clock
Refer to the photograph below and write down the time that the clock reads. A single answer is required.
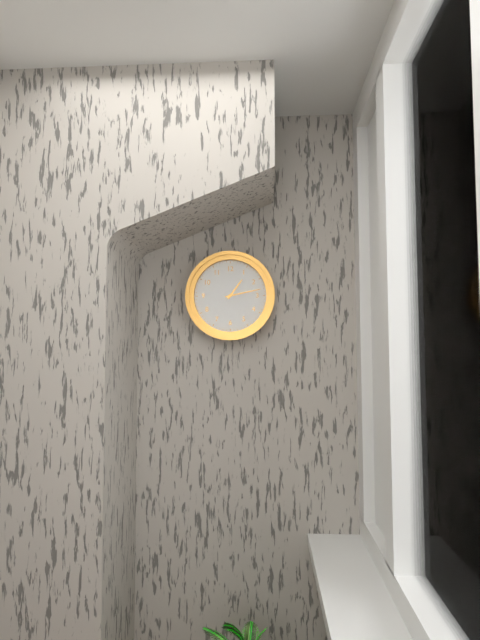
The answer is 1:13
